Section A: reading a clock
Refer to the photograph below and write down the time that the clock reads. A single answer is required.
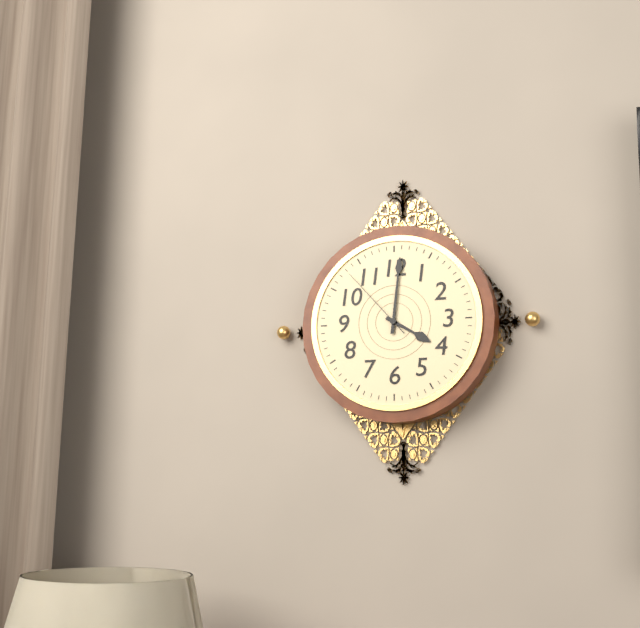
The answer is 4:01:53
